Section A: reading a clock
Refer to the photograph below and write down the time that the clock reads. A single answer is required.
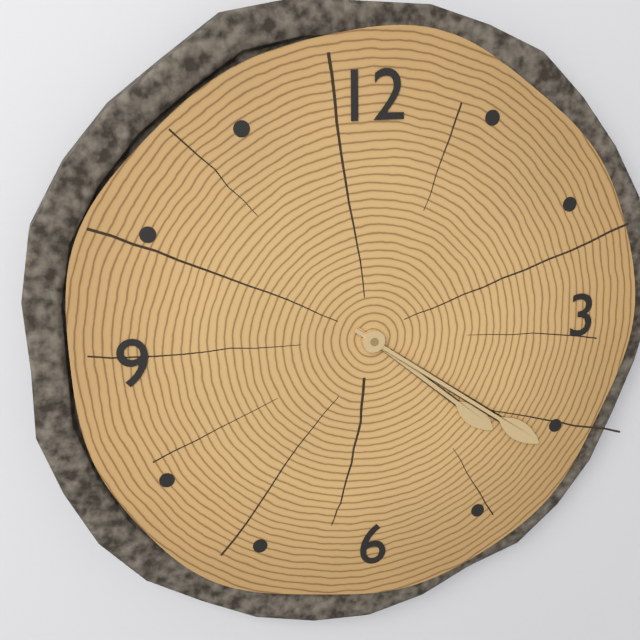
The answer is 4:21
